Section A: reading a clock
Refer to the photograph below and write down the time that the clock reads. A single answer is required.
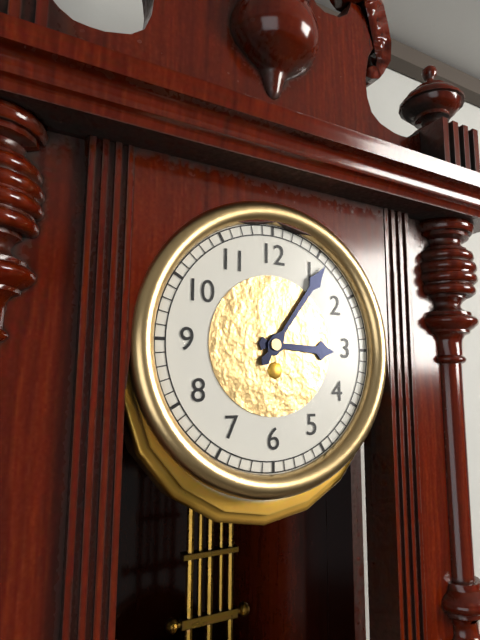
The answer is 3:06
